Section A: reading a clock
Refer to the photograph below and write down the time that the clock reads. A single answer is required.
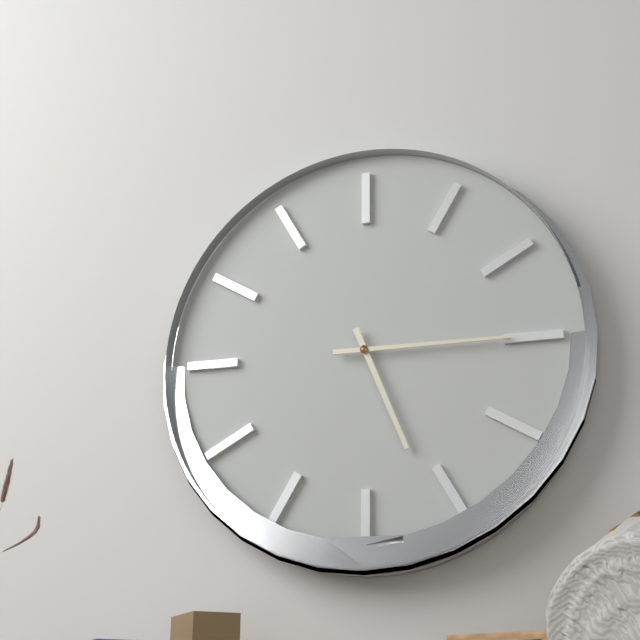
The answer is 5:15
